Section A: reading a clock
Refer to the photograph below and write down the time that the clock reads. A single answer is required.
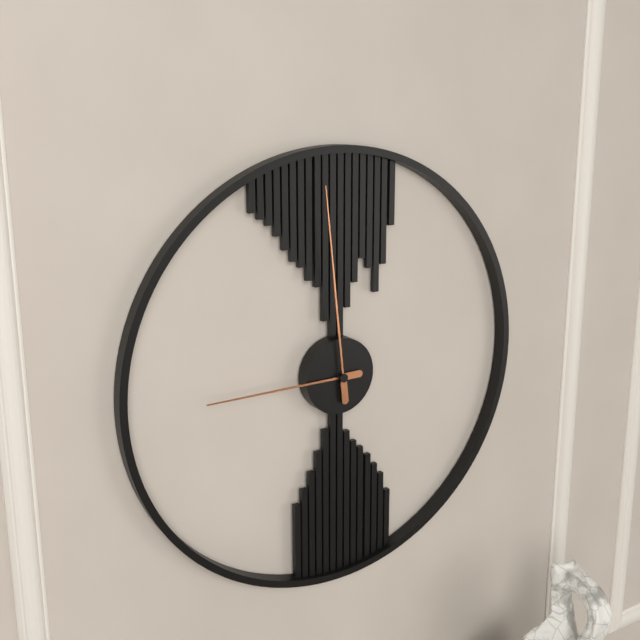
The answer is 8:59
